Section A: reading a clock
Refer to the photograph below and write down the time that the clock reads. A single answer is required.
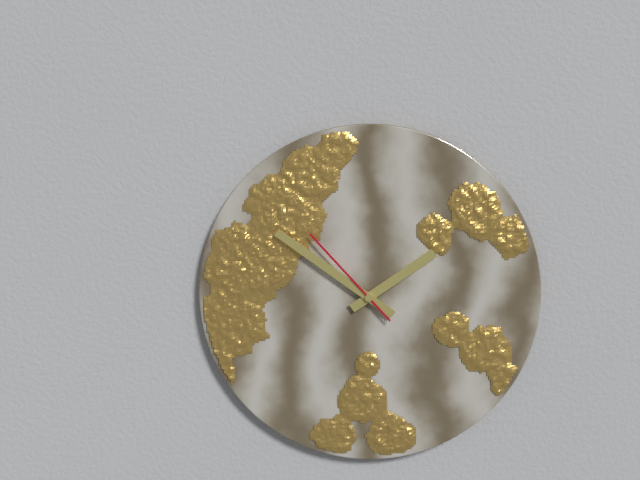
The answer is 1:51:53
